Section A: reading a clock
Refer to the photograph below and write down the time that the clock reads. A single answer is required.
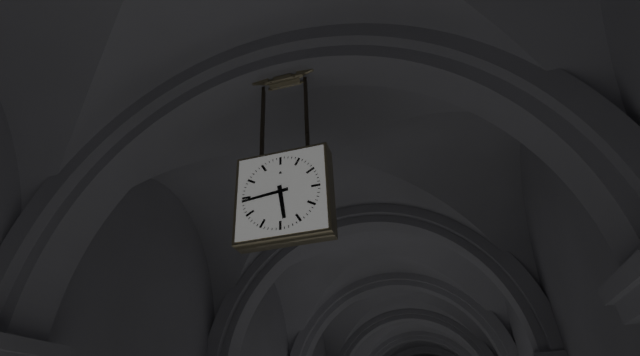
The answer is 5:44
